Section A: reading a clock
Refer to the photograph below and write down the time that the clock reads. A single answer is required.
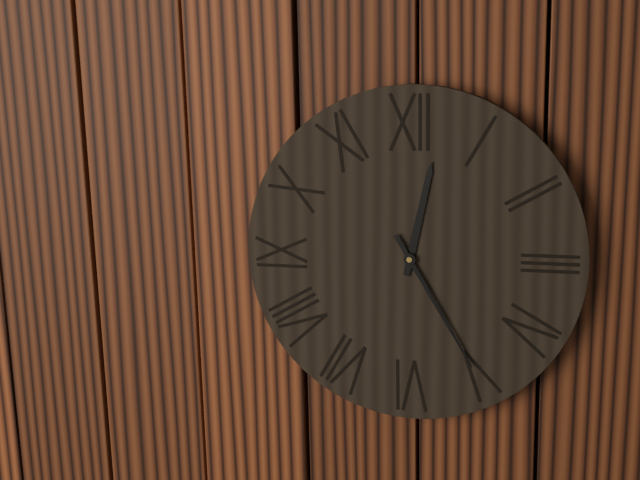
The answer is 12:25
